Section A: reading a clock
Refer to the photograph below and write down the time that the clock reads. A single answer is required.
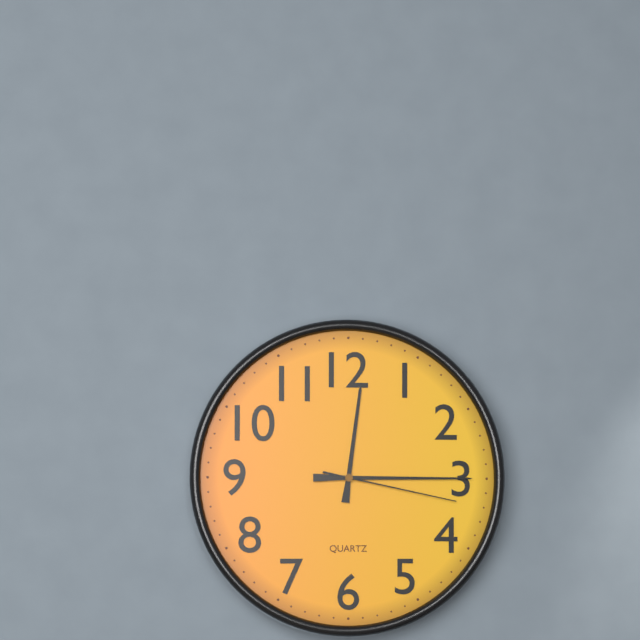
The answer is 12:15:17
